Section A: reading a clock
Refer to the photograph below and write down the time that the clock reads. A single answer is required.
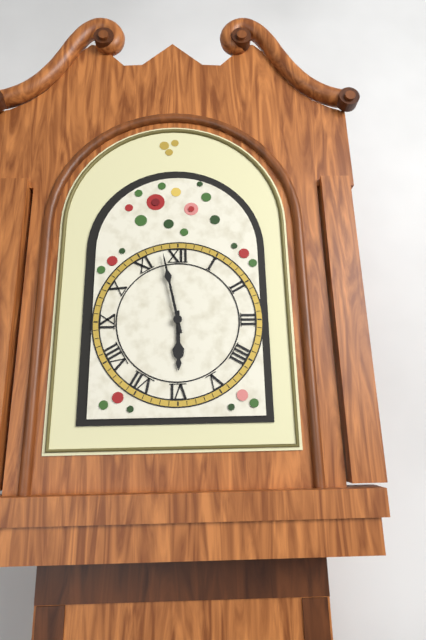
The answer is 5:58
